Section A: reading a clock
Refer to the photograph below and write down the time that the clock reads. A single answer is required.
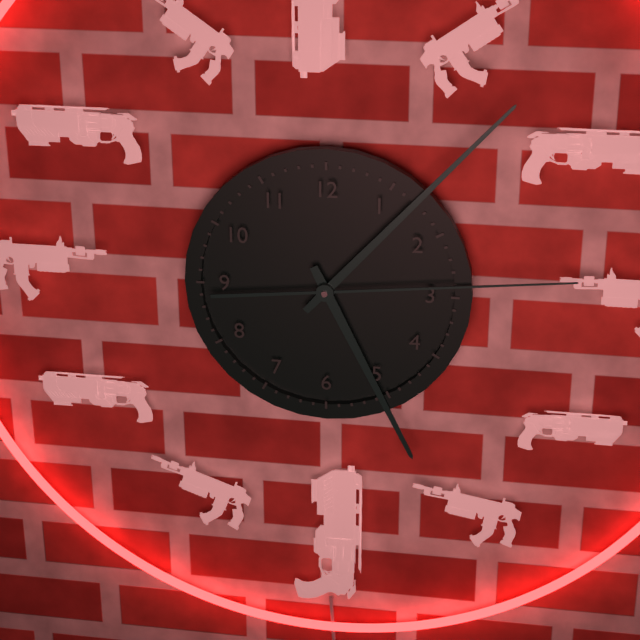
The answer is 5:07:14
